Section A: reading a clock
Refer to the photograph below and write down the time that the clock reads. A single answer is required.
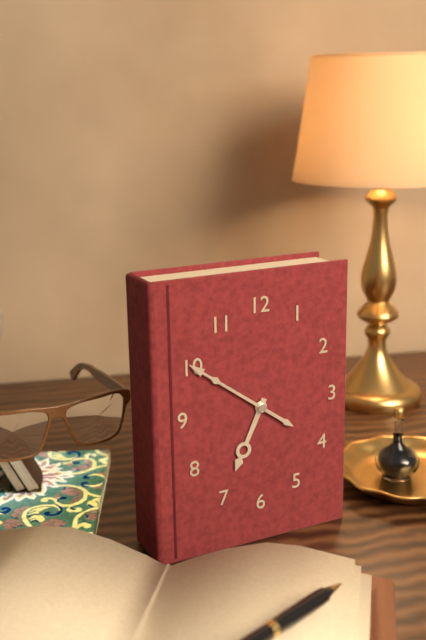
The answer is 6:51
